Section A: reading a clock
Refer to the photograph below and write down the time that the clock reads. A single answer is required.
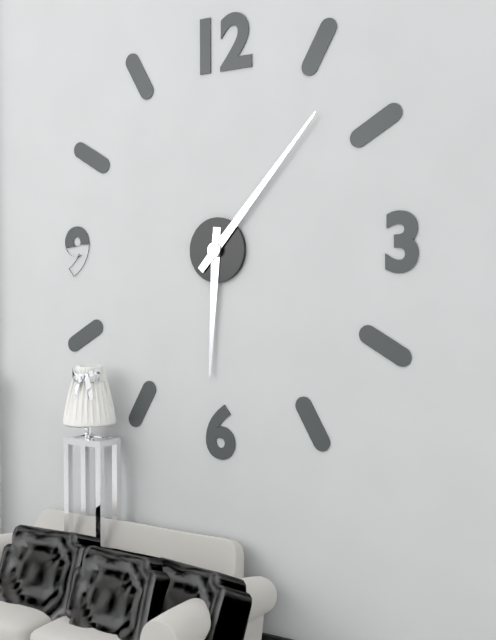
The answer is 6:07
